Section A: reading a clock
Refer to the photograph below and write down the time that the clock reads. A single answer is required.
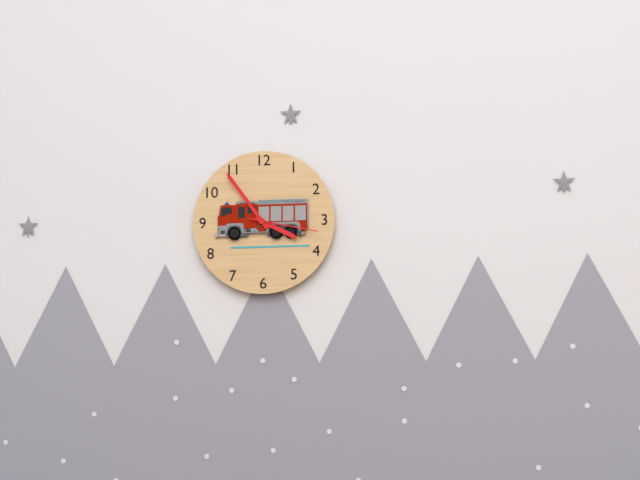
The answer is 3:54:17
